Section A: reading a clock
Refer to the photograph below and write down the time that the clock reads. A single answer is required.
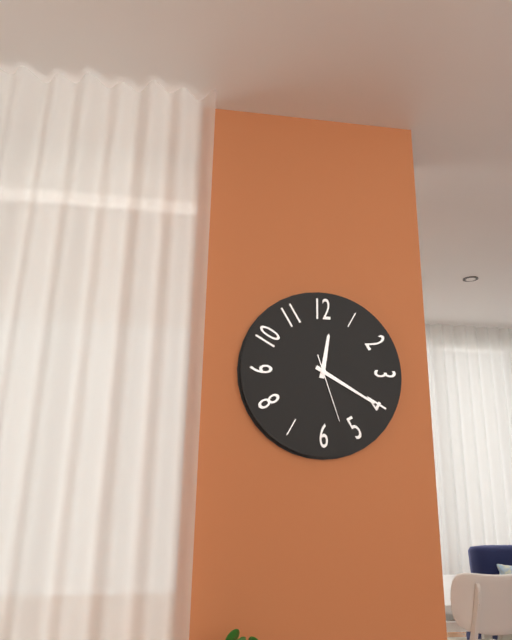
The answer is 12:20:27
